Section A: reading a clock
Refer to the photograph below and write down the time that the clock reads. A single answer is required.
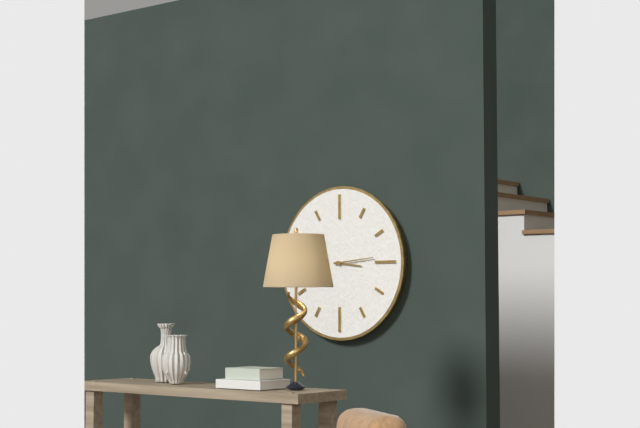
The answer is 3:14
